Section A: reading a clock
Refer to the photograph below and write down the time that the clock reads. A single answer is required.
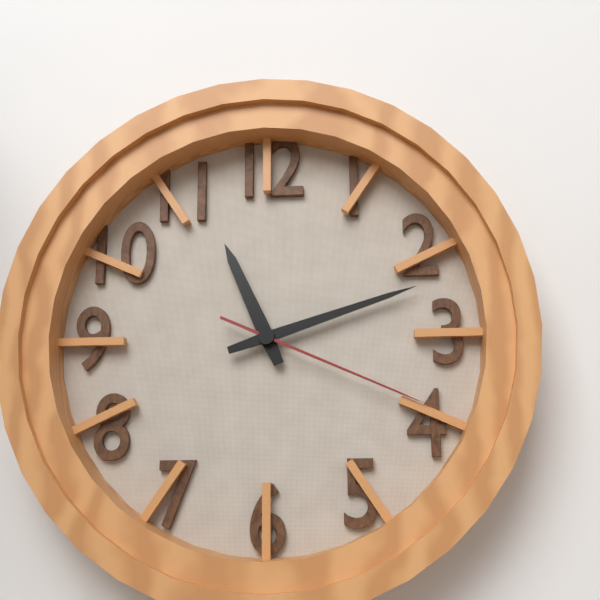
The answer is 11:12:19
